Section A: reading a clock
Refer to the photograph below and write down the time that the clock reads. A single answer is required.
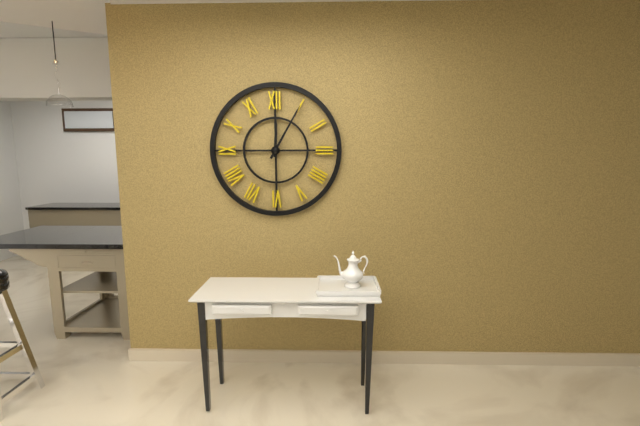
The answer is 12:05
